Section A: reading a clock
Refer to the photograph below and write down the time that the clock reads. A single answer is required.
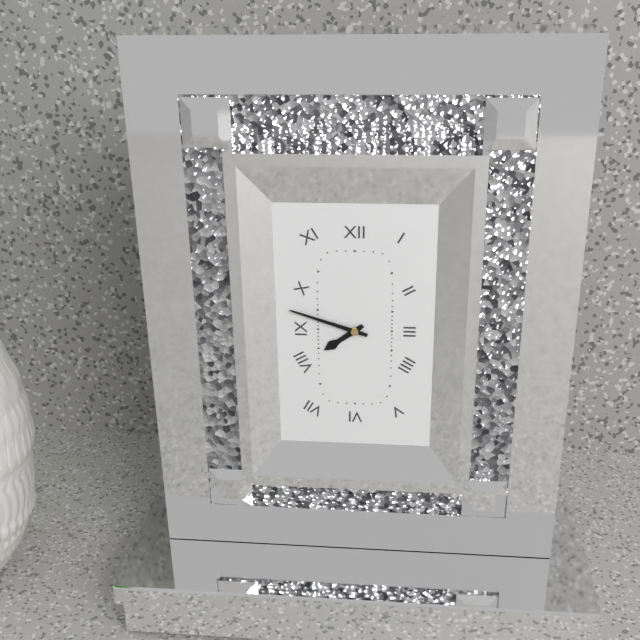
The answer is 7:48
